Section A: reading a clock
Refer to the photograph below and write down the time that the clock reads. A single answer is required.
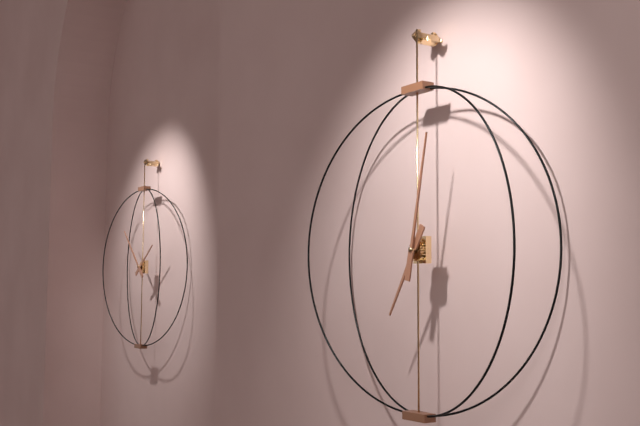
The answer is 7:02
